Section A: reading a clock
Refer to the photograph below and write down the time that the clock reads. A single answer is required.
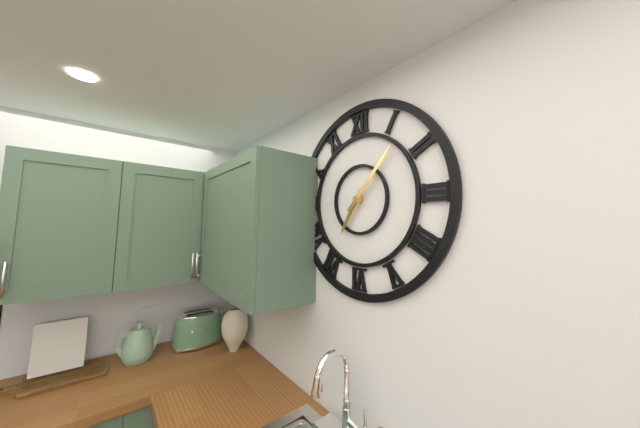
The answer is 7:07
